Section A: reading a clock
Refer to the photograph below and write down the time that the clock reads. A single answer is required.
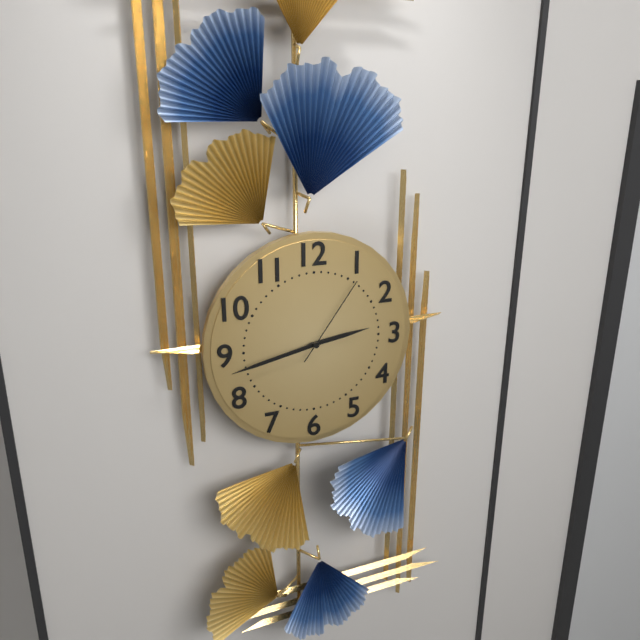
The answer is 2:43:06
